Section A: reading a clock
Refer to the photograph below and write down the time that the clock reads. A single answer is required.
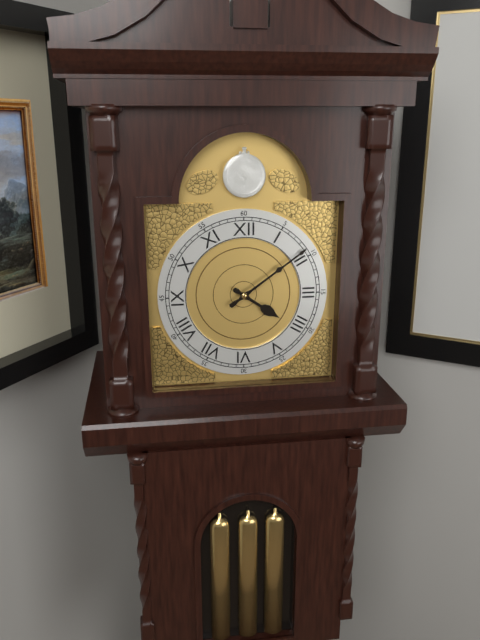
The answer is 4:09
